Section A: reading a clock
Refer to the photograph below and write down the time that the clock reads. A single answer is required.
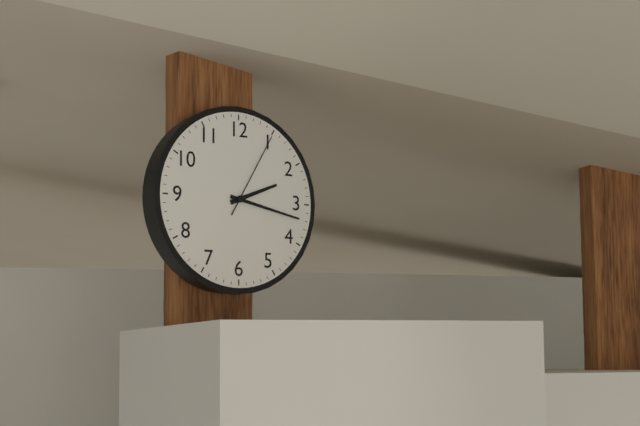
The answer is 2:17:05
